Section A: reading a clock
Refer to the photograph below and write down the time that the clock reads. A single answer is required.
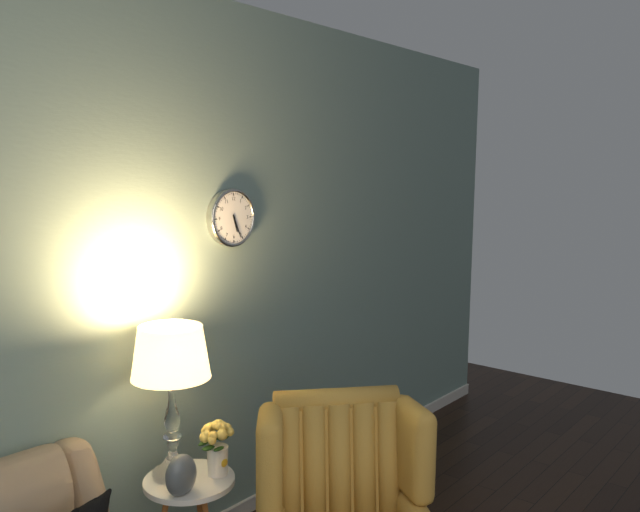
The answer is 5:26
